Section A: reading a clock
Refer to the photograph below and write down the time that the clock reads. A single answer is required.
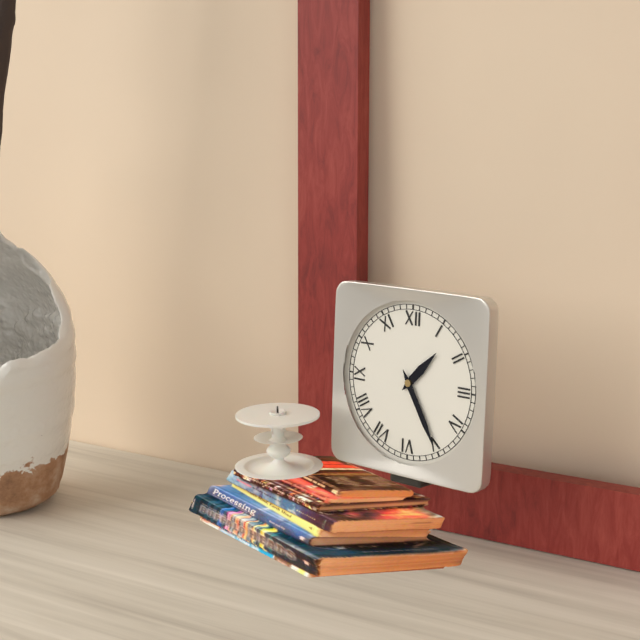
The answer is 1:25
